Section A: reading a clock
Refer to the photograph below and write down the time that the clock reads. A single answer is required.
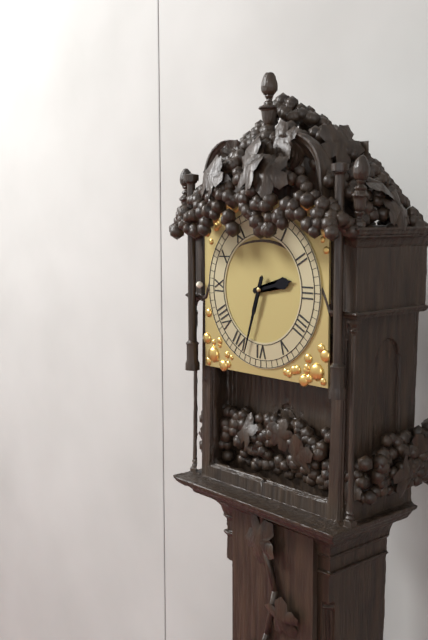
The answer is 2:33
